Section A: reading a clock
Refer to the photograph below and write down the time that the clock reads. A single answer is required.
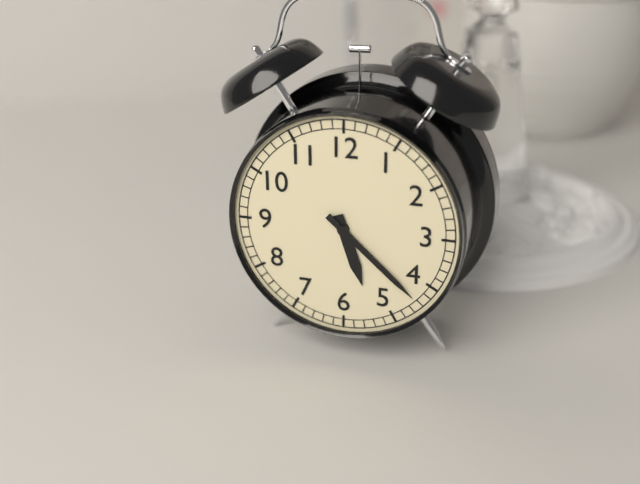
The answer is 5:22
